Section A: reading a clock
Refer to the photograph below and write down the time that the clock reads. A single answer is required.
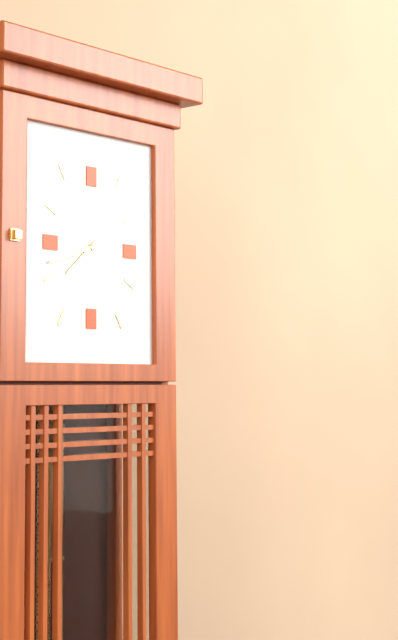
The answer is 7:42
